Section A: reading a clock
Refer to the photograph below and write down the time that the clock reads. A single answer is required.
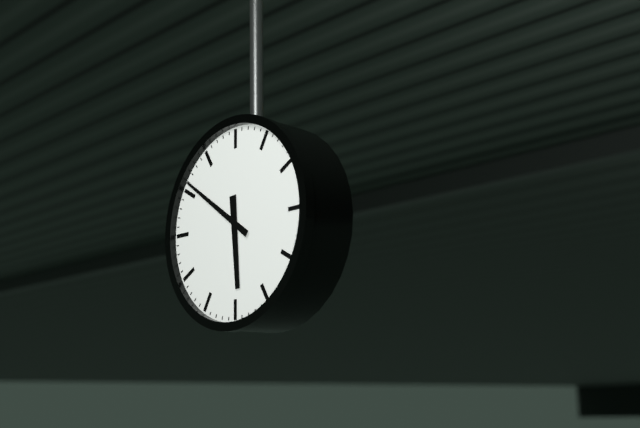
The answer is 5:51
